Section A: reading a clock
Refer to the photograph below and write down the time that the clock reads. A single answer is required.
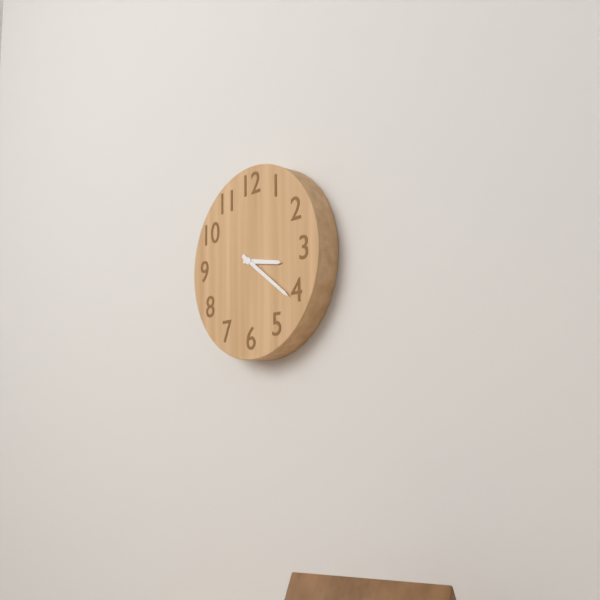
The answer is 3:21
